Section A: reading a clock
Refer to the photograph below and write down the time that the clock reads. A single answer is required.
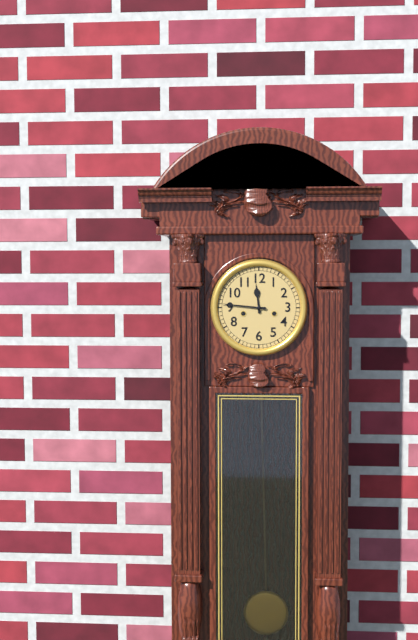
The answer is 11:46
